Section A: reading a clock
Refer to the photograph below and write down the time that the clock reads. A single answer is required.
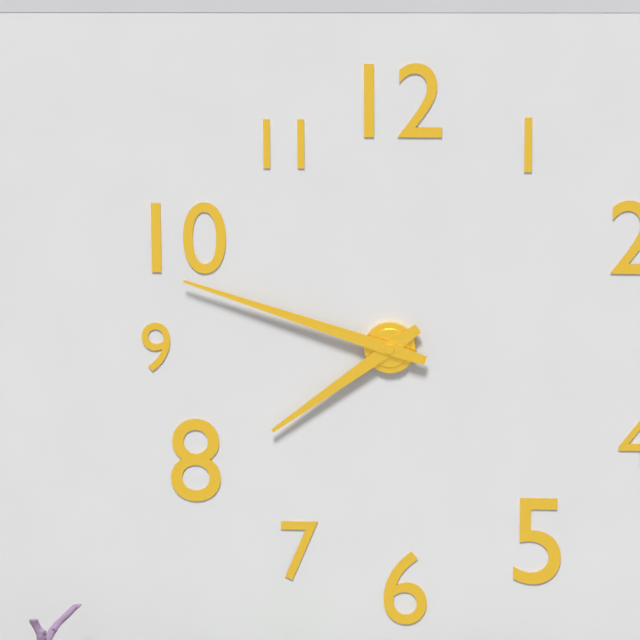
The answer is 7:48
